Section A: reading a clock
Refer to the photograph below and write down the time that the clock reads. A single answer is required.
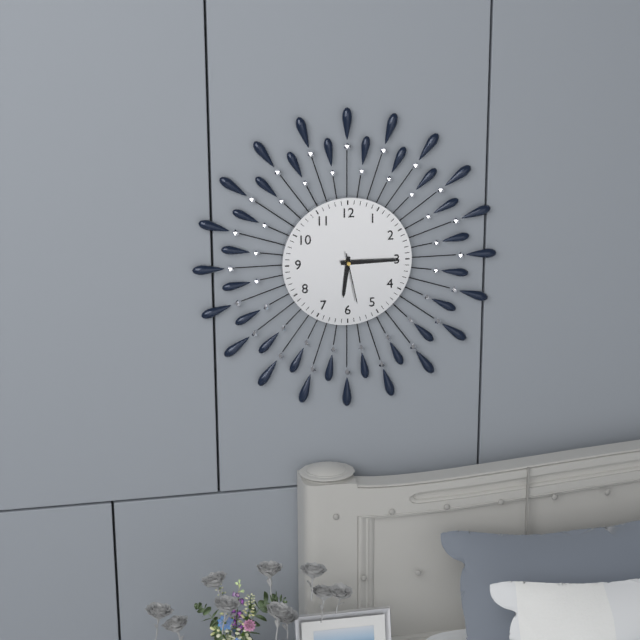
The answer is 6:15:28
